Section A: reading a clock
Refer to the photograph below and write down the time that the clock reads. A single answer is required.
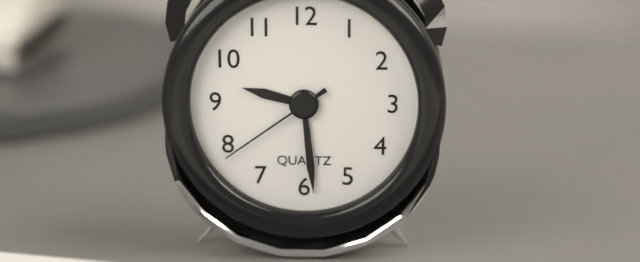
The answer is 9:29:39
